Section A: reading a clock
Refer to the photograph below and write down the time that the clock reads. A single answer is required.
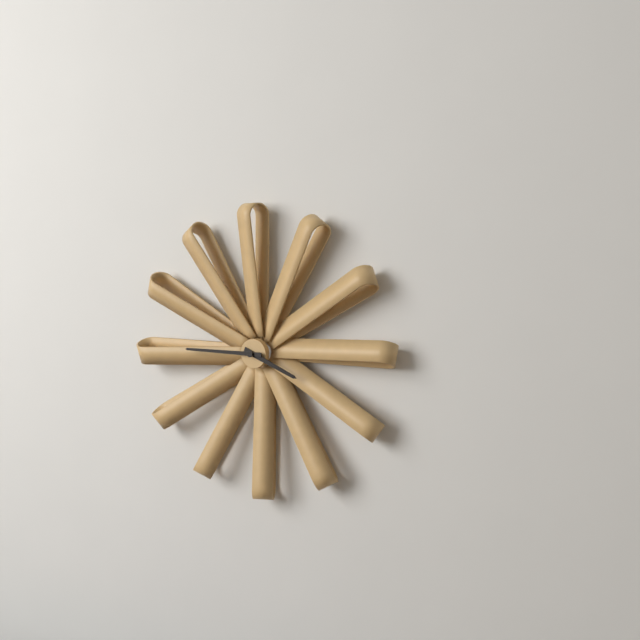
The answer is 3:45
